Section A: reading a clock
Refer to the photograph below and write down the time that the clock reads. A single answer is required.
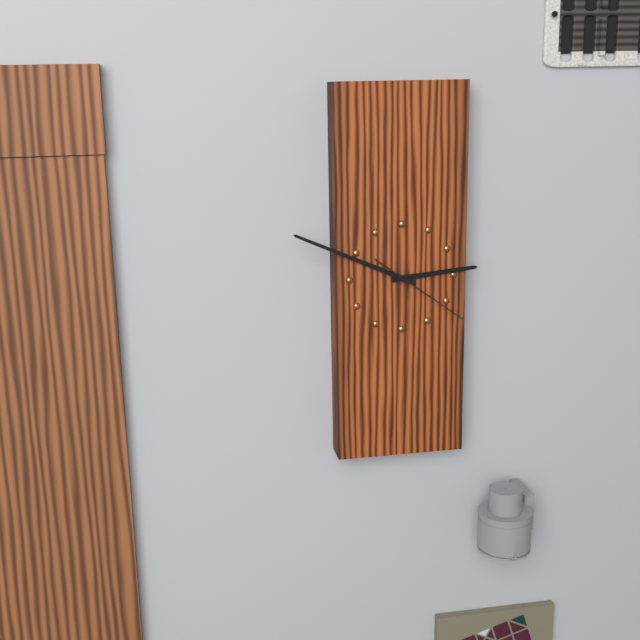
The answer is 2:49:21
